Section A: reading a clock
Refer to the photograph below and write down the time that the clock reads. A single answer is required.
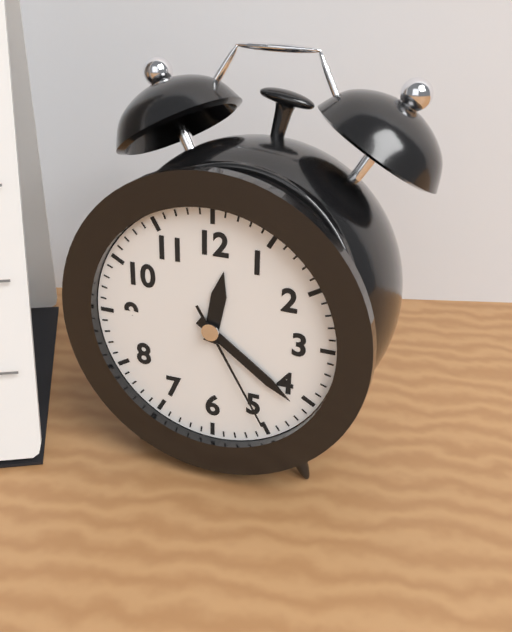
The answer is 12:21:25
